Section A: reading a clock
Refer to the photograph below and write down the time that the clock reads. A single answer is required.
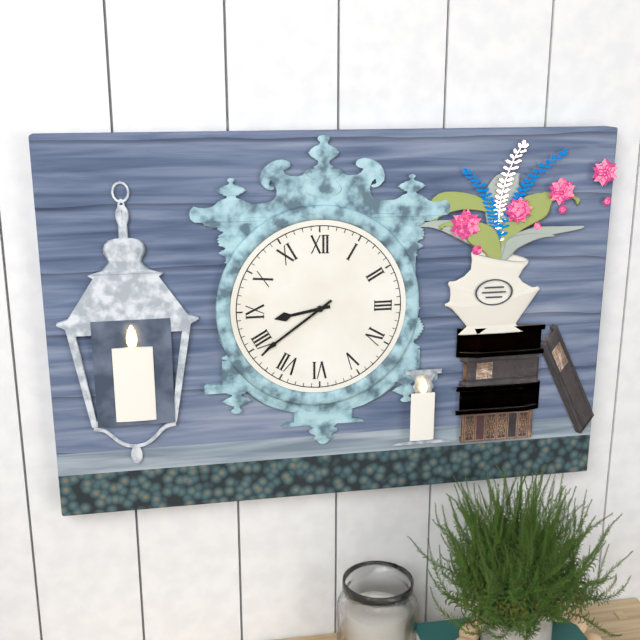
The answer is 8:39
